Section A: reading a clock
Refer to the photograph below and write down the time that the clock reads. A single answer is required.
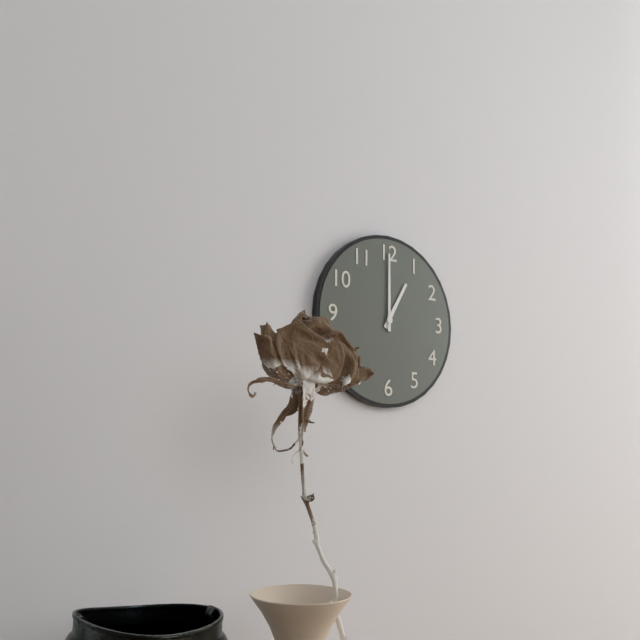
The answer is 1:00
